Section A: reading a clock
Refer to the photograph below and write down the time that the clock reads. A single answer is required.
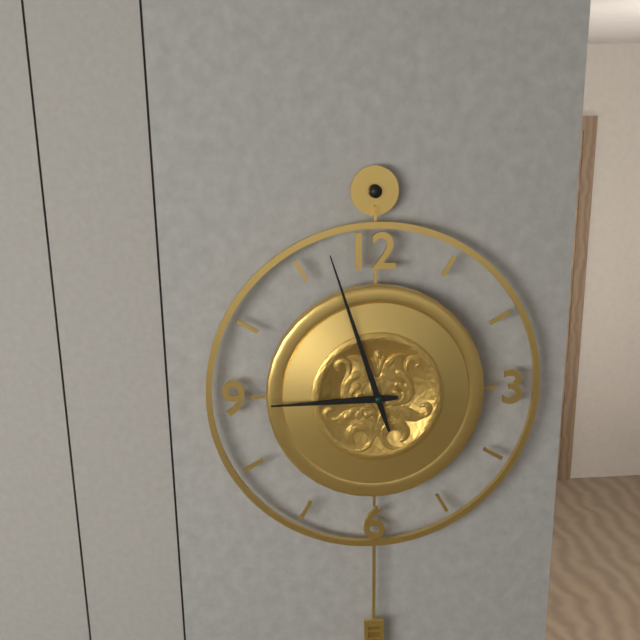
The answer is 8:57
